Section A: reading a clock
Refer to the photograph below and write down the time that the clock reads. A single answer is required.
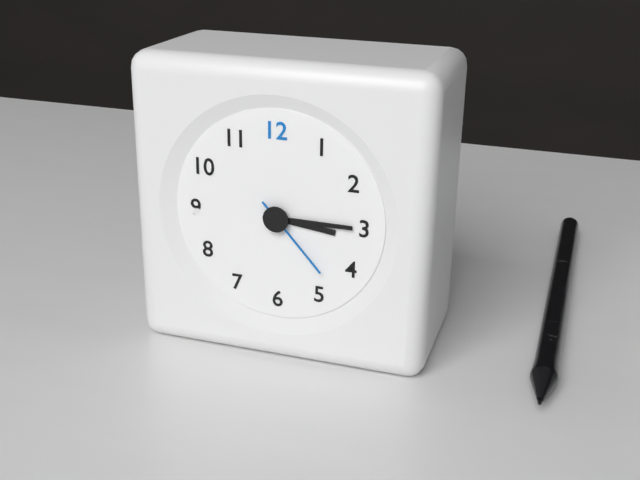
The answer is 3:15:23
